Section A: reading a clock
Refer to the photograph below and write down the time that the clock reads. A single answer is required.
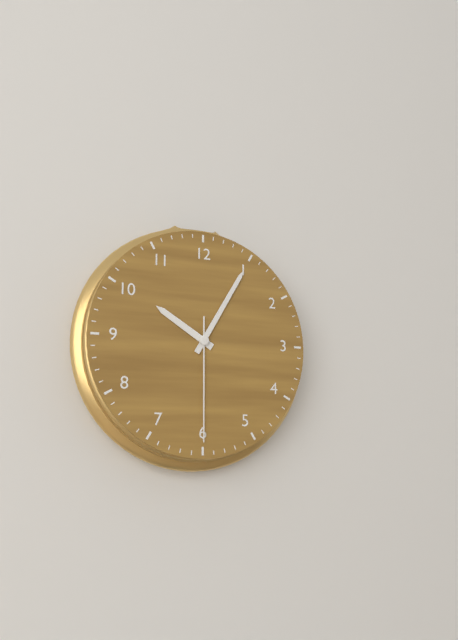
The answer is 10:05:30
